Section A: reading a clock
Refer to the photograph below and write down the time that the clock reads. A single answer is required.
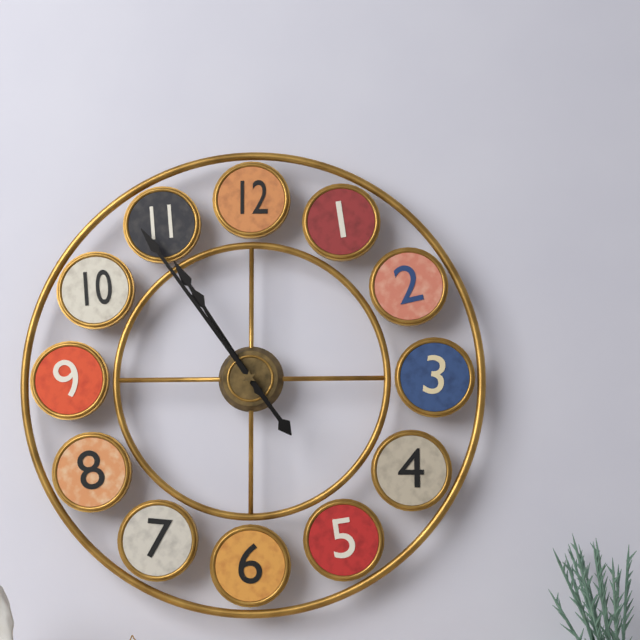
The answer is 10:54
